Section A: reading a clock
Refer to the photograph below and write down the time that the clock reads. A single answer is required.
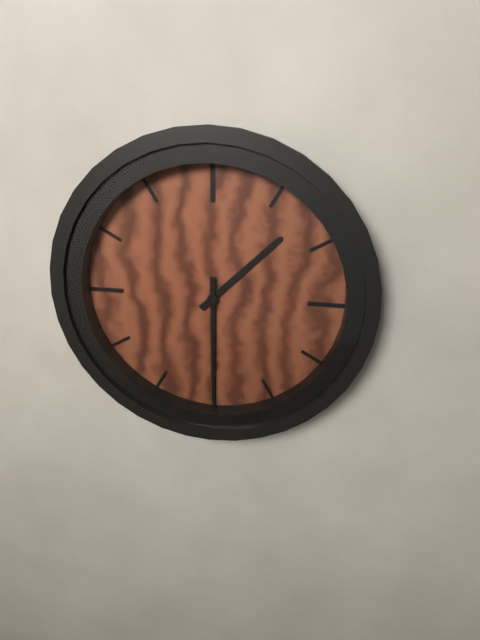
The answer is 1:30
